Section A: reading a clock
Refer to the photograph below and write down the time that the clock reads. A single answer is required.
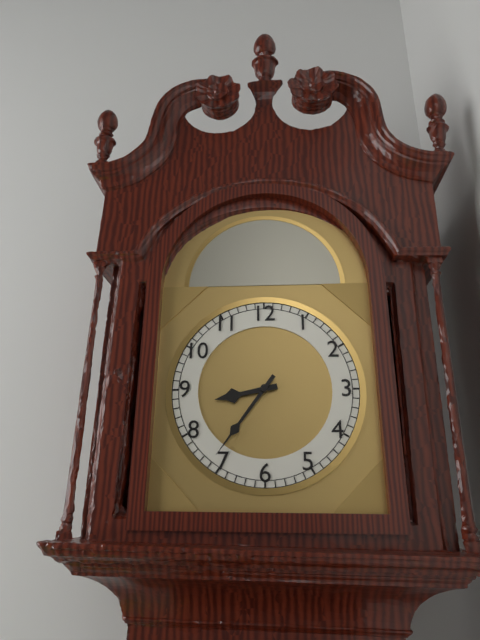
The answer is 8:36
